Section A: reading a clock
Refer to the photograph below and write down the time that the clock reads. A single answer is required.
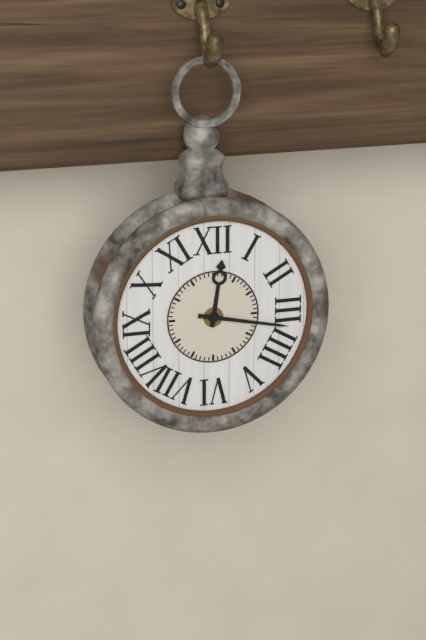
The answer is 12:17
